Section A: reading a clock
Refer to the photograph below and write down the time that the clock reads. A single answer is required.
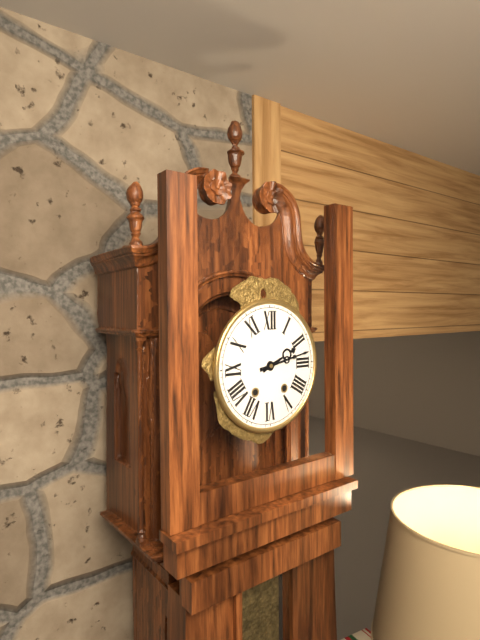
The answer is 2:13
